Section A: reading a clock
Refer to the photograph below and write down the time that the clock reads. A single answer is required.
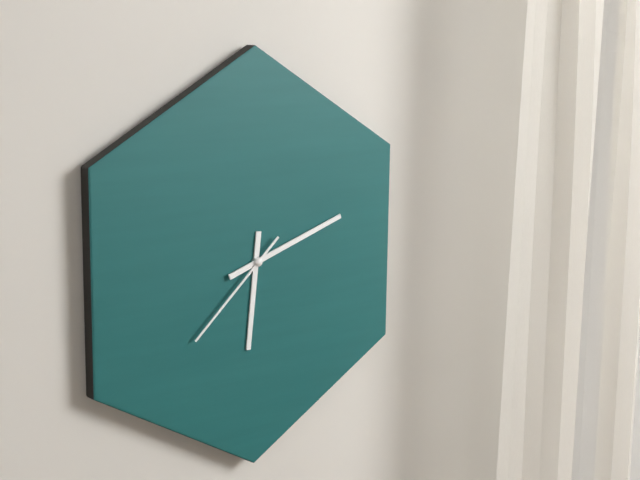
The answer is 6:12:38
